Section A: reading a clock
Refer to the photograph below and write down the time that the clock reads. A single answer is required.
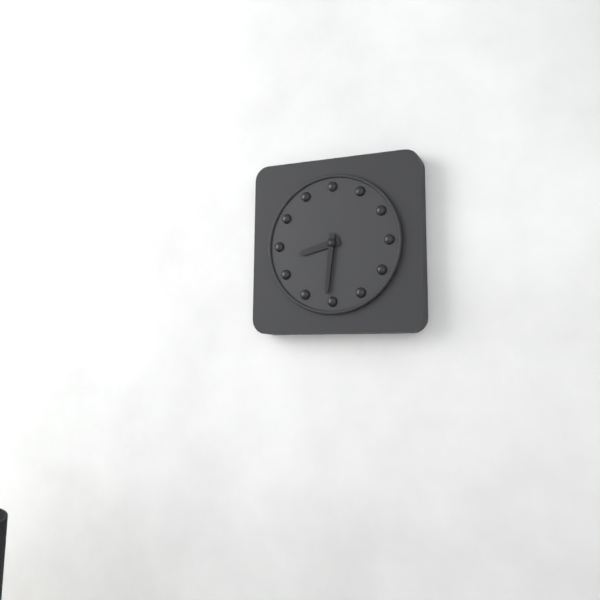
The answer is 8:31
